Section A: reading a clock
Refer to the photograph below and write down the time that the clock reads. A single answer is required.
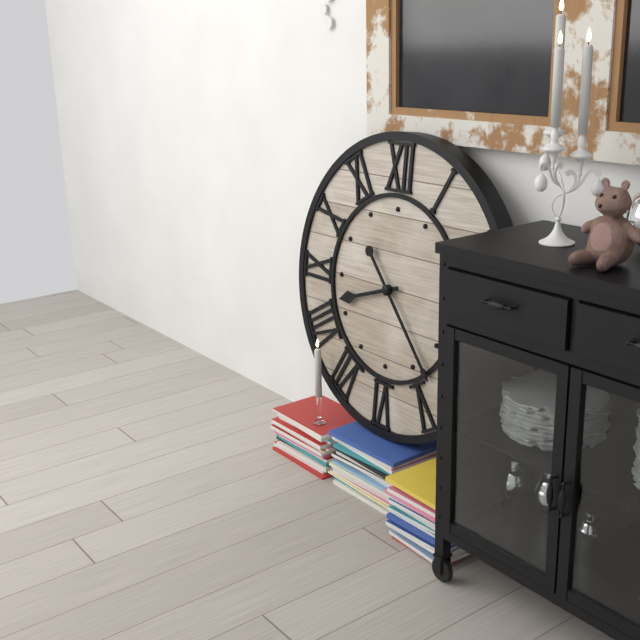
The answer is 8:23
